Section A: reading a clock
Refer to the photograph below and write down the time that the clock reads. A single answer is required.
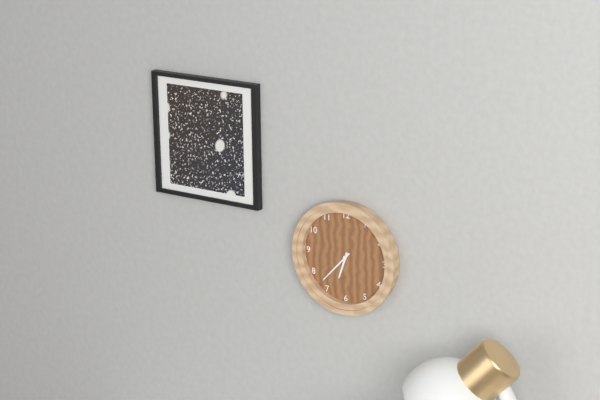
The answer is 6:37
